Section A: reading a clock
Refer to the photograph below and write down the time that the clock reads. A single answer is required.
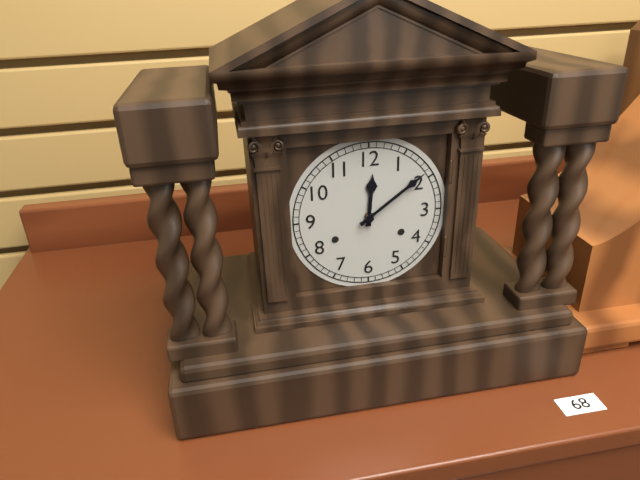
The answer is 12:09
